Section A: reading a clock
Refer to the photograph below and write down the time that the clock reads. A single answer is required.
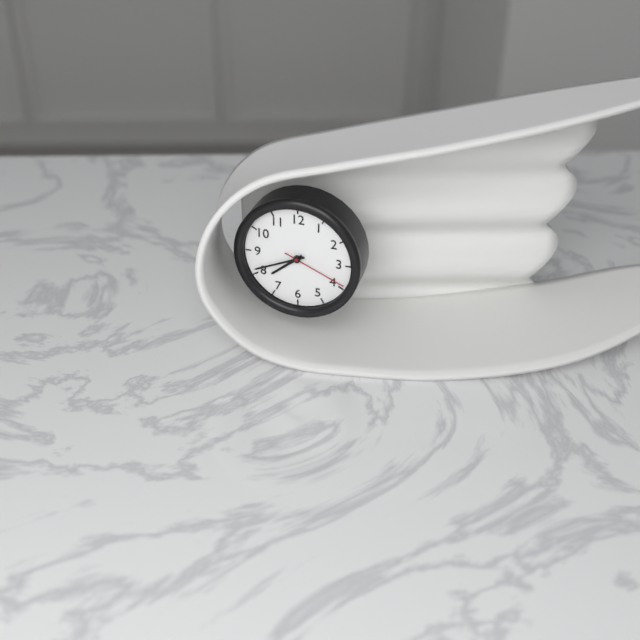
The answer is 7:41:19
